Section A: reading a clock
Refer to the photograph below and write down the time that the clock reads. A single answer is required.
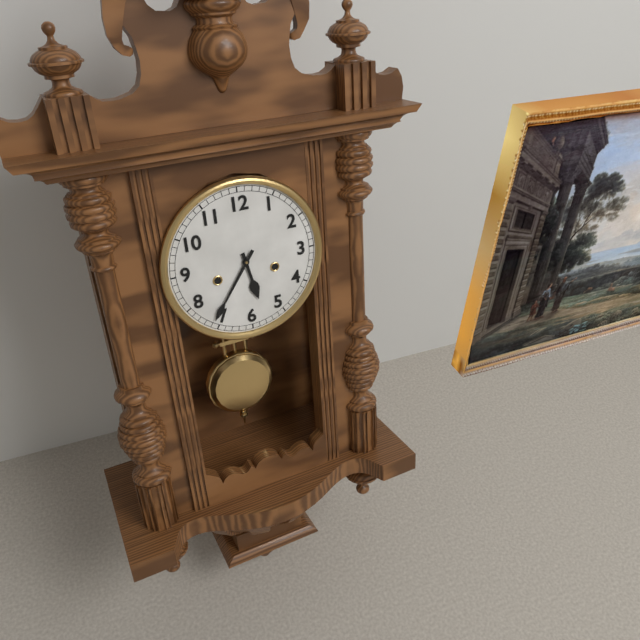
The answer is 5:36
